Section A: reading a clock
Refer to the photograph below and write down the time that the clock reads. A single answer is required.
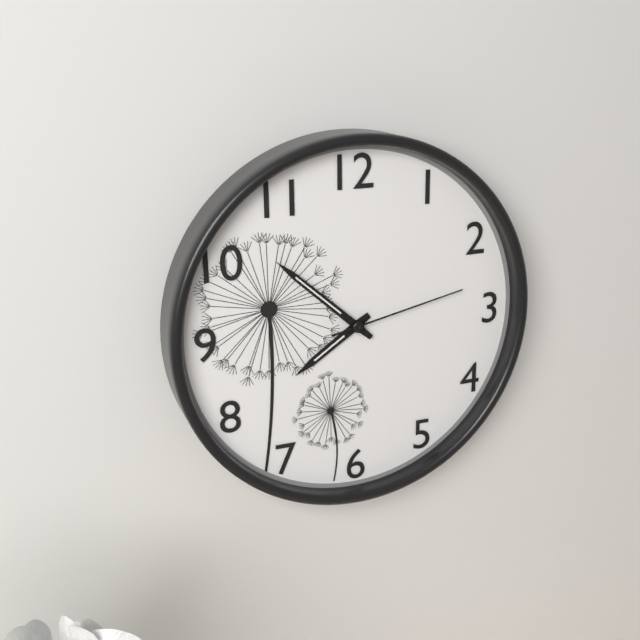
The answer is 7:52:13
